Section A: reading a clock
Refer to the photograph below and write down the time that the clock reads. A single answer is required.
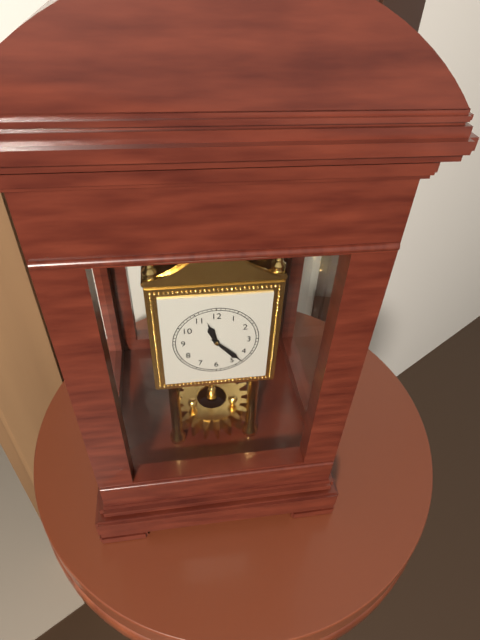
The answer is 11:23
